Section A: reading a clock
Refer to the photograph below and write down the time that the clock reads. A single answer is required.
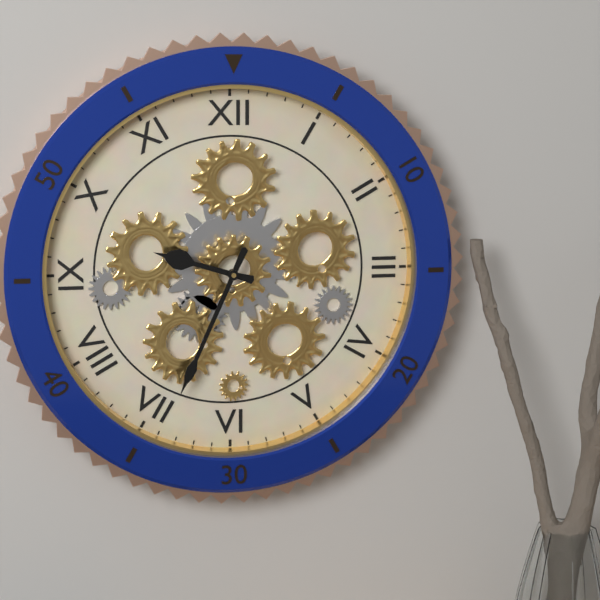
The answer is 9:34
